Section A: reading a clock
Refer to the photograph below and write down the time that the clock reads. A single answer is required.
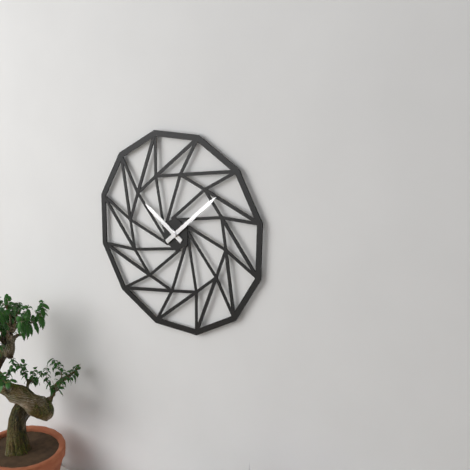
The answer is 10:08
